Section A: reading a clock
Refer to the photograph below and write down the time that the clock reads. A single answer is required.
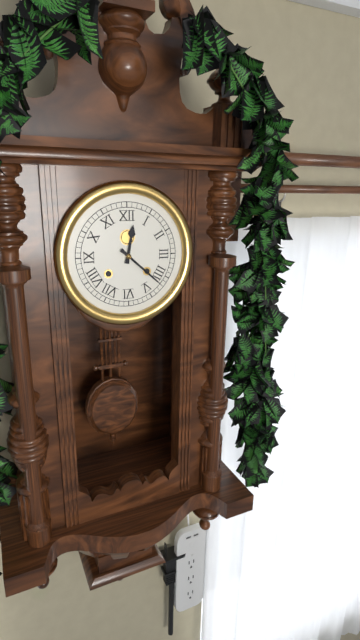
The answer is 12:22
